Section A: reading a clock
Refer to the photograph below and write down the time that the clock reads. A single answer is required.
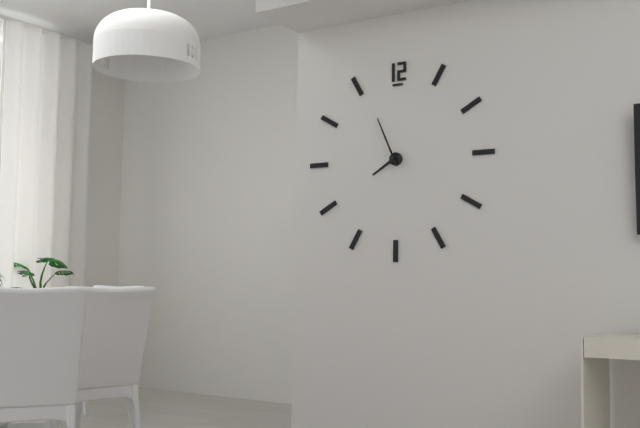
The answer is 7:56
